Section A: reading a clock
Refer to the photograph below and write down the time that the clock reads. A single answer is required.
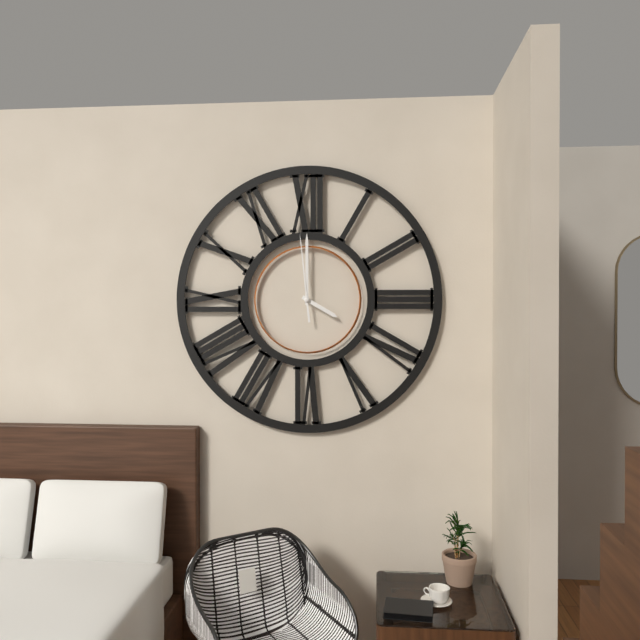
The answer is 4:00:59
